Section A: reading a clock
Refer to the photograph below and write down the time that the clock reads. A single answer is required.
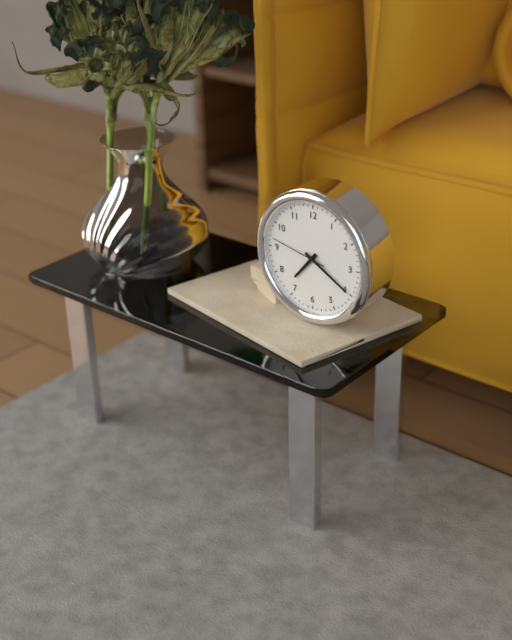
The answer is 7:20:47
